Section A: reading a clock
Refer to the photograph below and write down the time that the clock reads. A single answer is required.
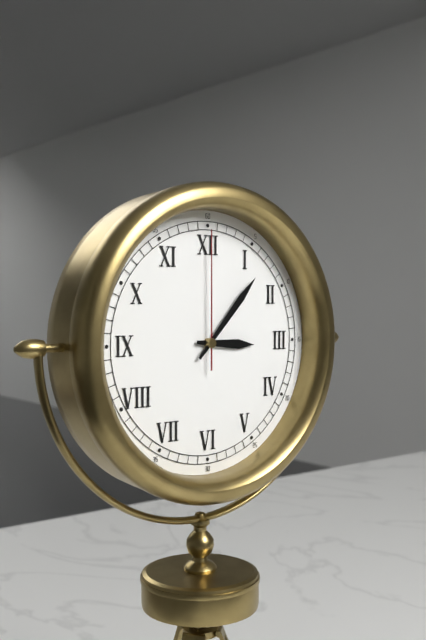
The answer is 3:07:00
